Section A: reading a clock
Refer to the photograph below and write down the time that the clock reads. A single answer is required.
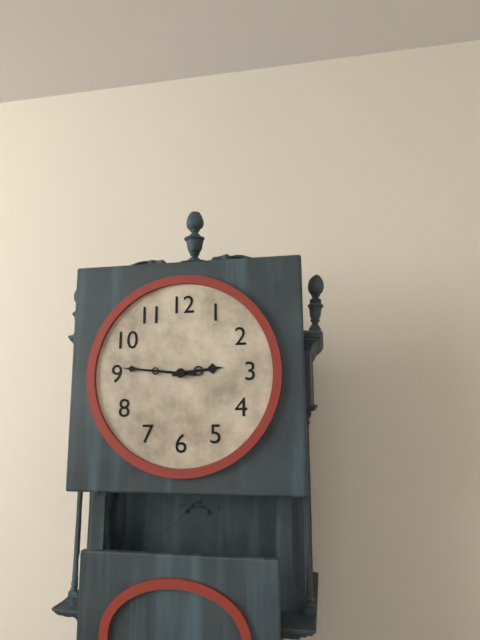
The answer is 2:46
